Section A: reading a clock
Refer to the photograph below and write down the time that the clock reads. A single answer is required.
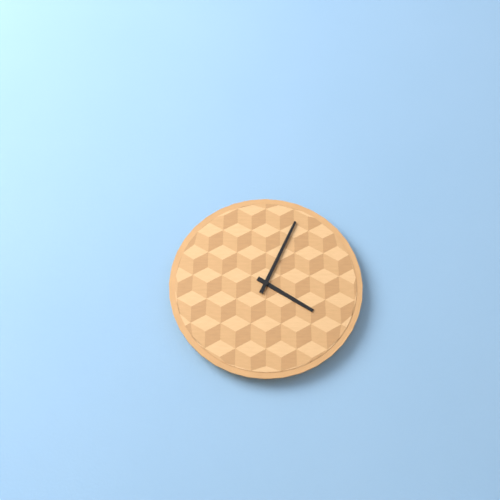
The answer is 4:04
